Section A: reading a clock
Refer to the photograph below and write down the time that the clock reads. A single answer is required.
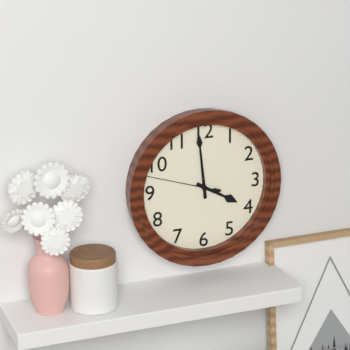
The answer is 3:59:48
